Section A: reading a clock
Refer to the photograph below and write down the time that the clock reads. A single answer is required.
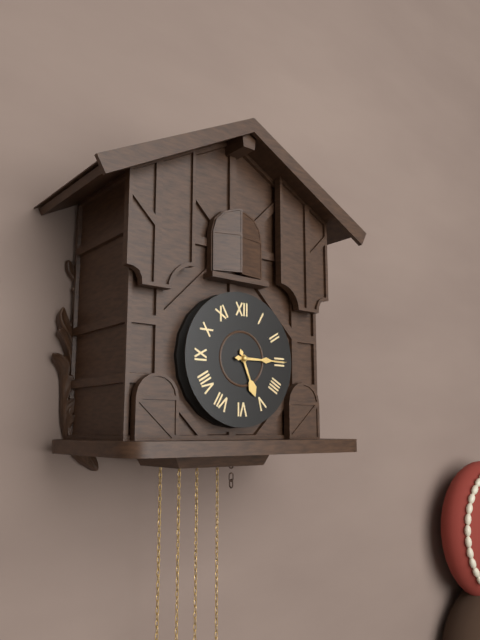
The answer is 5:15
